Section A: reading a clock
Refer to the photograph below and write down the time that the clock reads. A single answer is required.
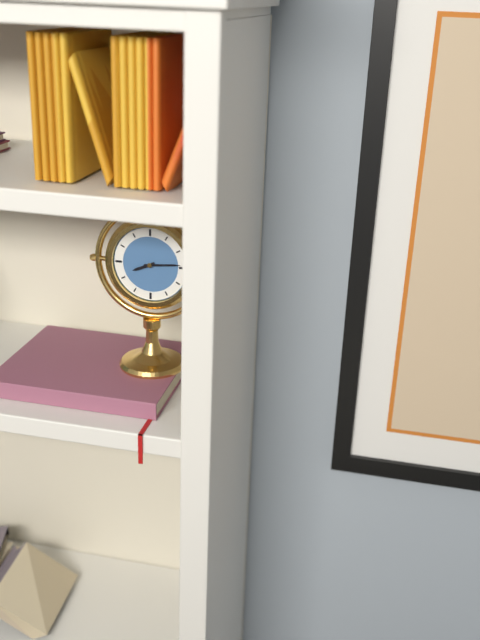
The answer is 8:14
